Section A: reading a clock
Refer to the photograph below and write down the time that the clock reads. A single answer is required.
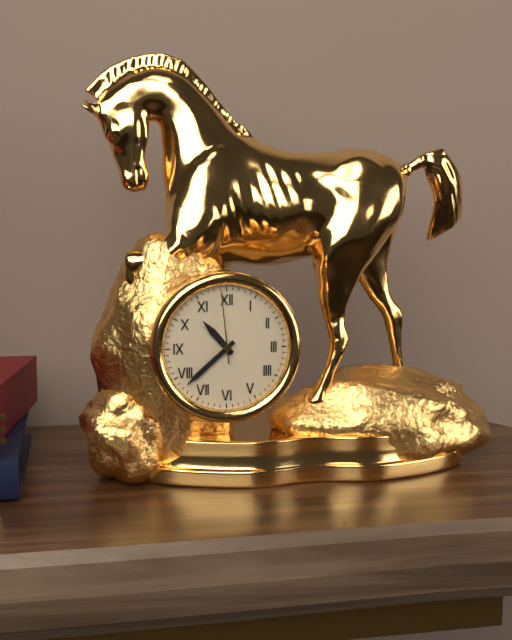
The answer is 10:38:59
